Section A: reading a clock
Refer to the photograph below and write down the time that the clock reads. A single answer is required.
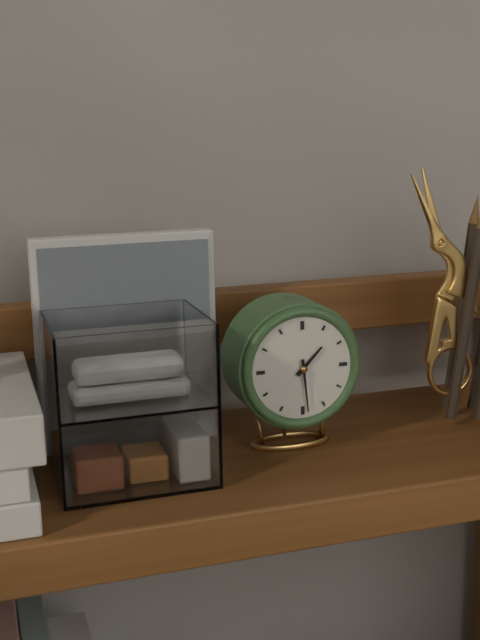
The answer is 1:29
